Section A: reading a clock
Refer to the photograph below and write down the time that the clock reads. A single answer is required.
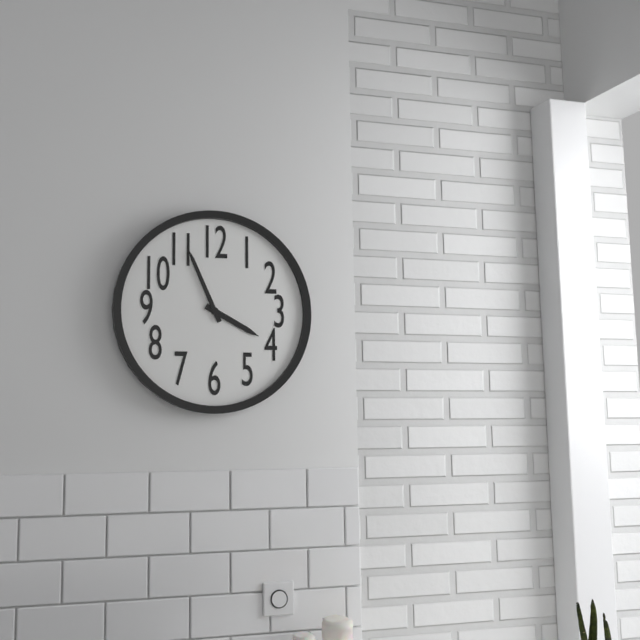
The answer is 3:56
